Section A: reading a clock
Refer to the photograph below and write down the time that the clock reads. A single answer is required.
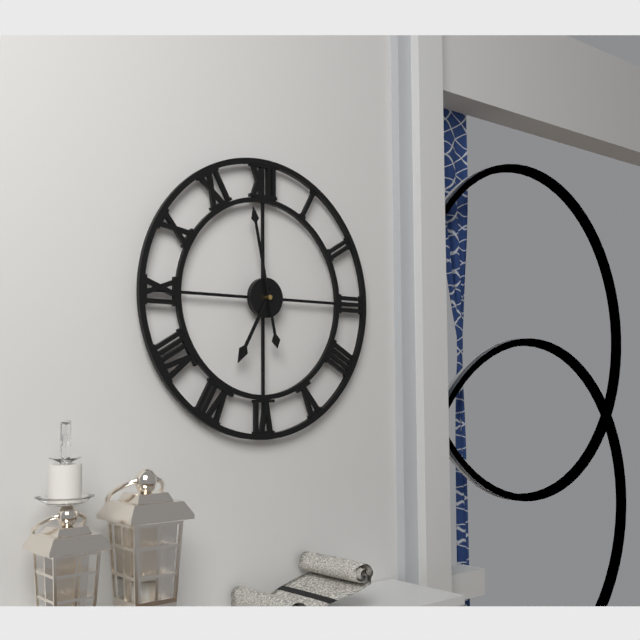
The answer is 6:58
